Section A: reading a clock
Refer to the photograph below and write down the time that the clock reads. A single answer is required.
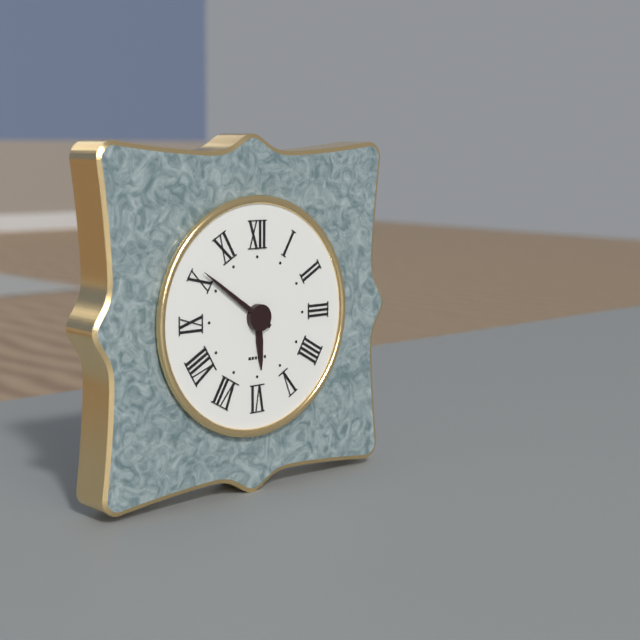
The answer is 5:51
